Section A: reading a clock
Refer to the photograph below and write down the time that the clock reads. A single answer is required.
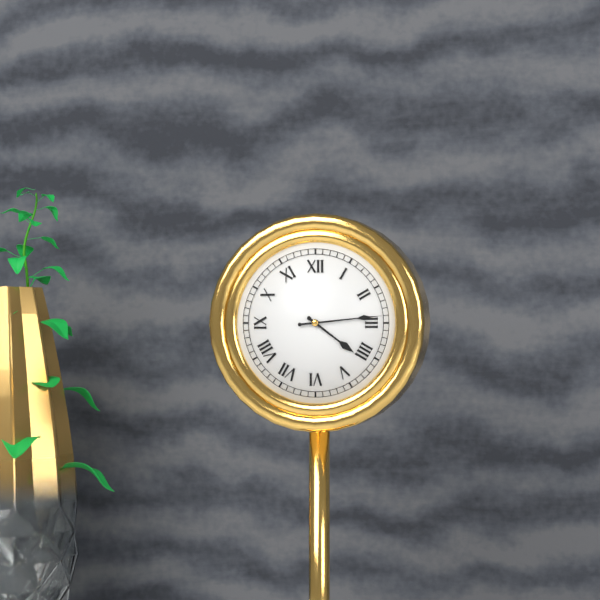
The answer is 4:14
